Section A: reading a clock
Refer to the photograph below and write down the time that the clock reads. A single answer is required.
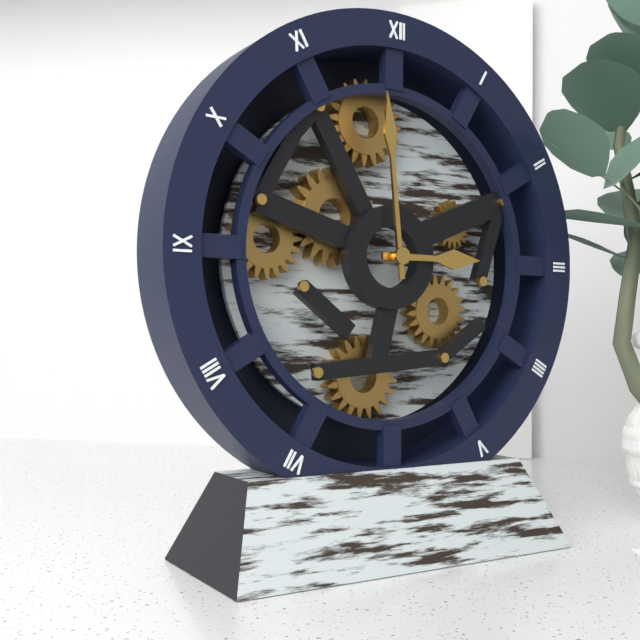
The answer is 2:59
